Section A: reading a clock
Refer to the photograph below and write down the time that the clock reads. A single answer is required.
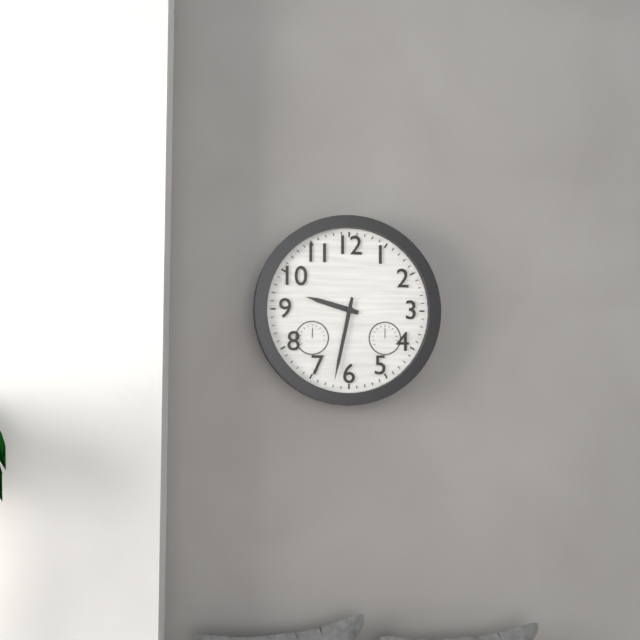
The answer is 9:32
